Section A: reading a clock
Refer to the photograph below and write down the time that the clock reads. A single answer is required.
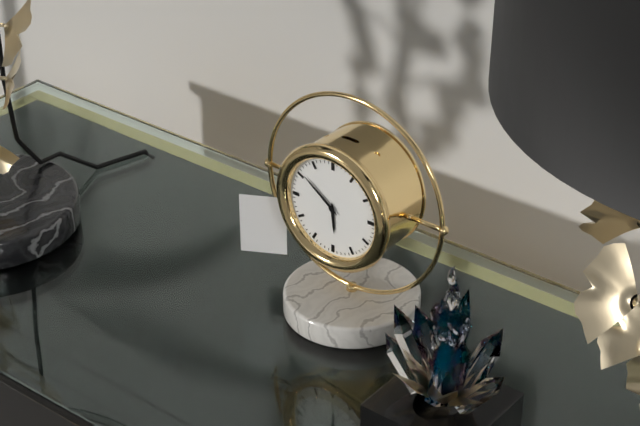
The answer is 5:51
